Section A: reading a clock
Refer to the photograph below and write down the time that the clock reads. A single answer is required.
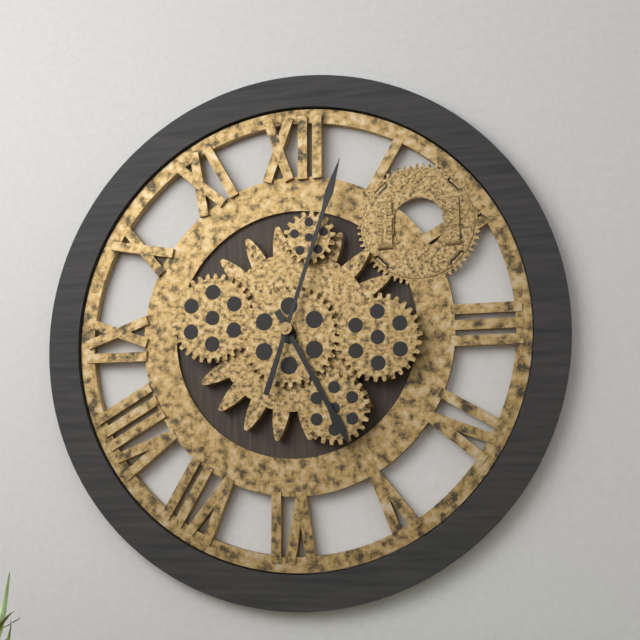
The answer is 5:03
